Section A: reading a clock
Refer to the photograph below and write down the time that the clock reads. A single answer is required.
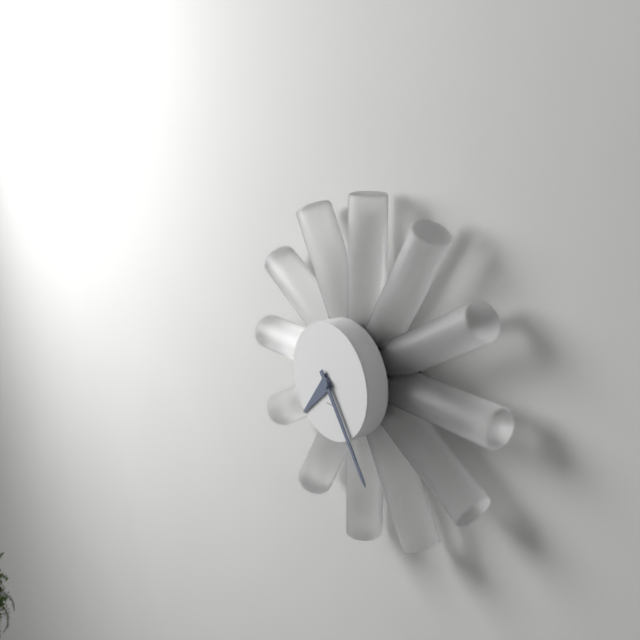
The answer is 7:24
